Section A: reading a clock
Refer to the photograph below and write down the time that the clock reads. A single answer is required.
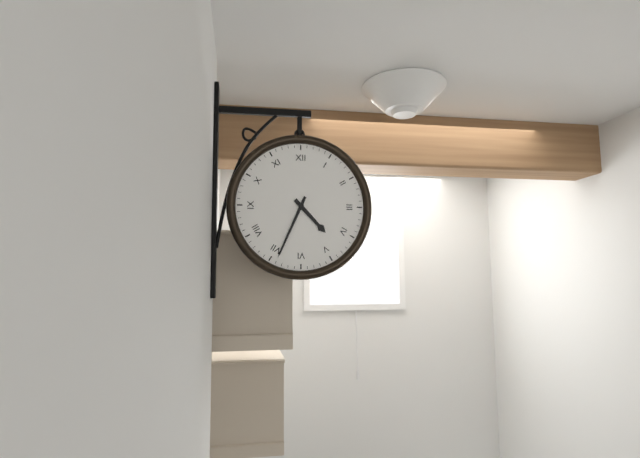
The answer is 4:34
